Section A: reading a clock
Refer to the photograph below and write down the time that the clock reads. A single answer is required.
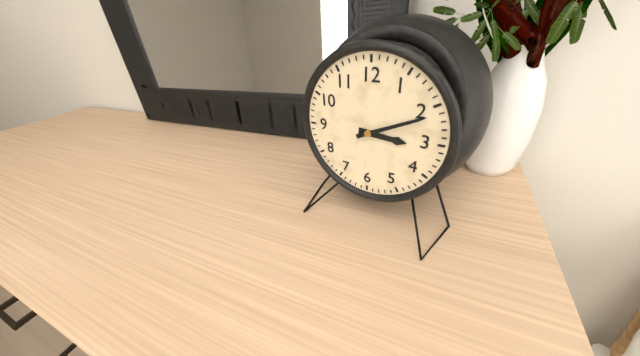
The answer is 3:11
